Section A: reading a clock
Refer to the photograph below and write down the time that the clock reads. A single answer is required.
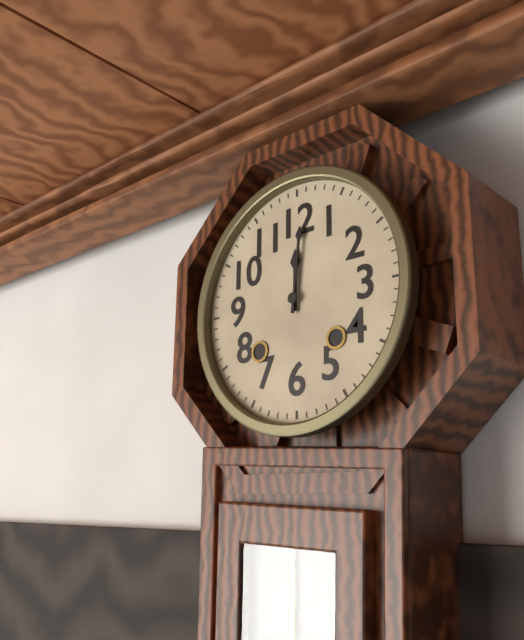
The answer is 12:01
